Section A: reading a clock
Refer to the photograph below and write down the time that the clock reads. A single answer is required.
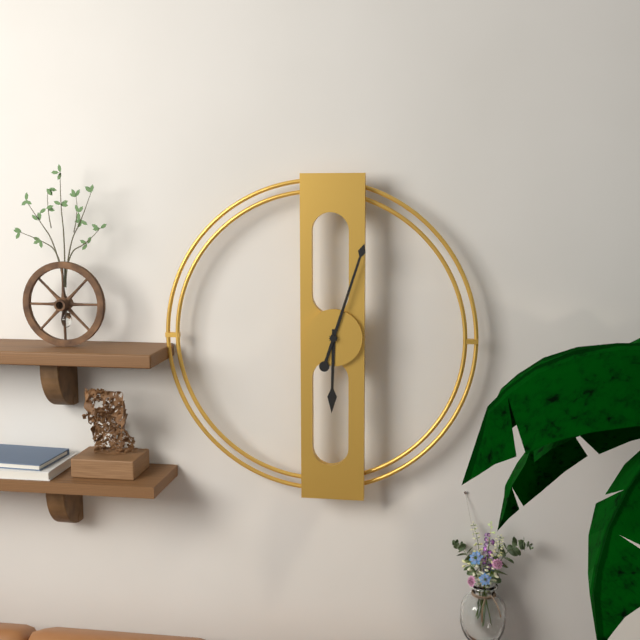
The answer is 6:03
